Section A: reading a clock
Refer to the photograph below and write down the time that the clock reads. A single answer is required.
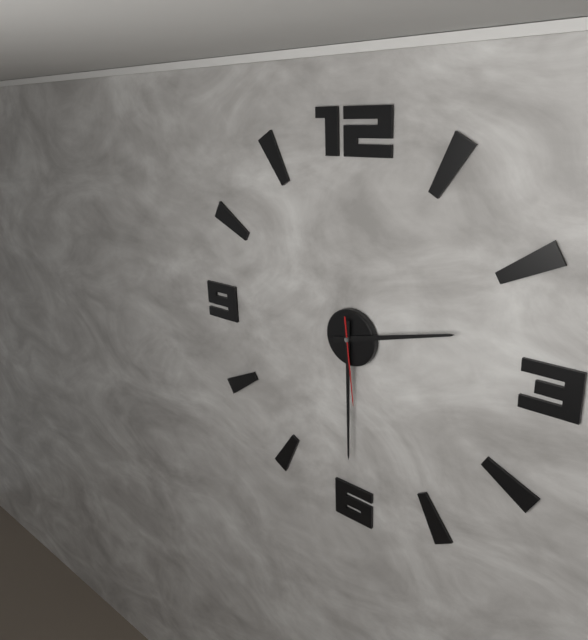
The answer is 2:30:29
